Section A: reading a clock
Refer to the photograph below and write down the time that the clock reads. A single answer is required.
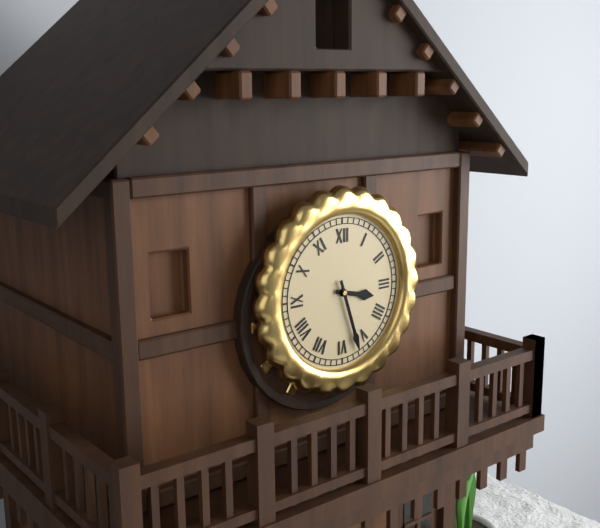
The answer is 3:27
